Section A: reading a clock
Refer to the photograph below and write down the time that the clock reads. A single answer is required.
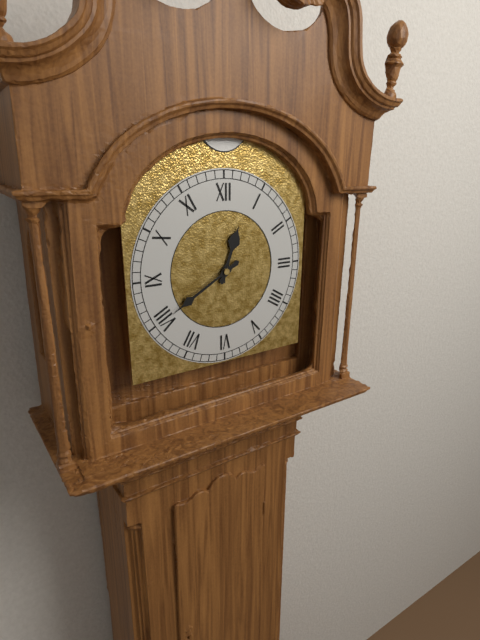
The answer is 12:40
